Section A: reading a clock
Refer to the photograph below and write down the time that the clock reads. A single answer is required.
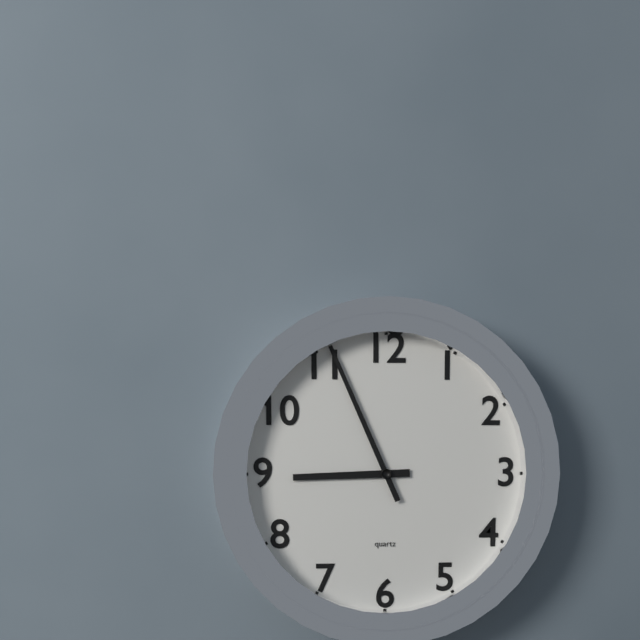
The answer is 8:56
